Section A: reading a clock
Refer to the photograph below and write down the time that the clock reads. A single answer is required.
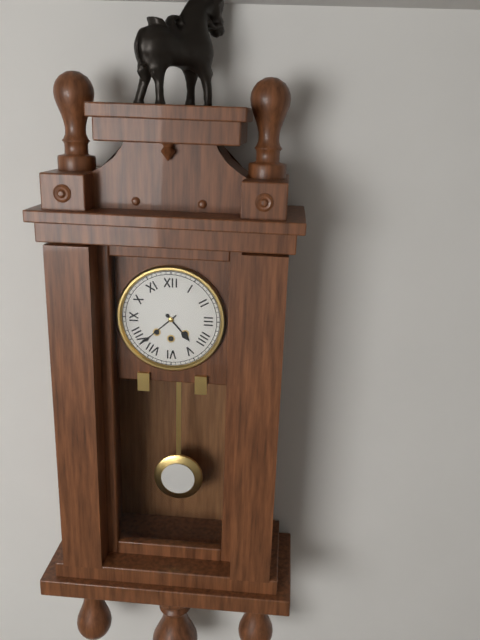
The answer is 4:38
